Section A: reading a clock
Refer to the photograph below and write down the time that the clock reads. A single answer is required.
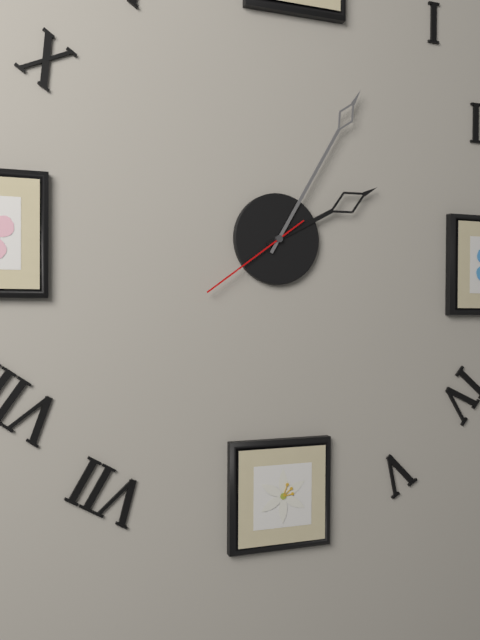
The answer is 2:05:39
